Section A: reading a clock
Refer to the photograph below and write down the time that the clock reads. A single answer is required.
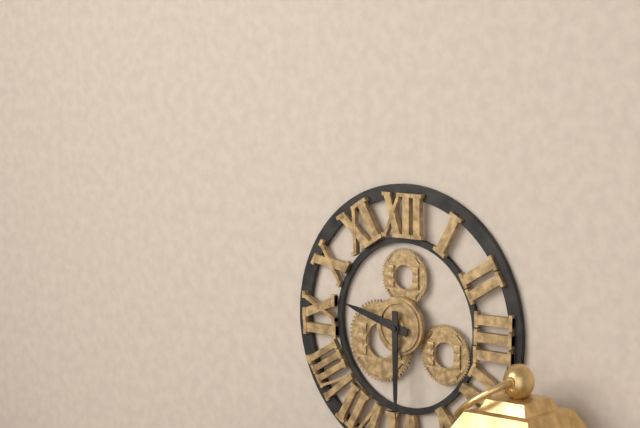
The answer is 9:30
